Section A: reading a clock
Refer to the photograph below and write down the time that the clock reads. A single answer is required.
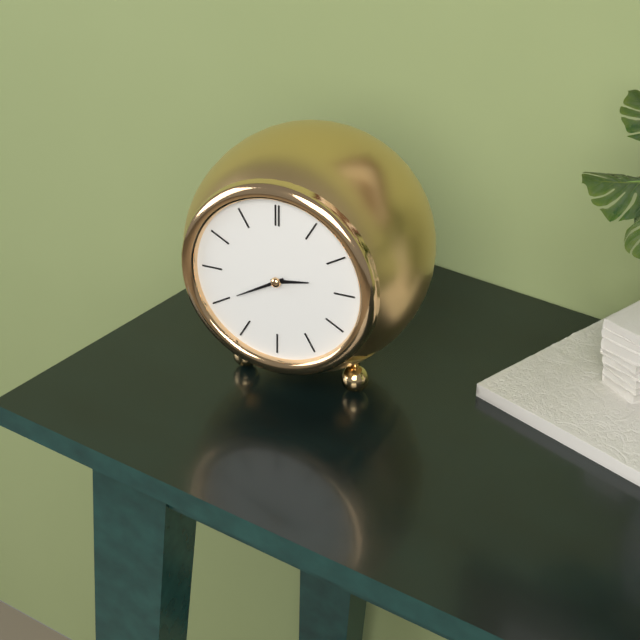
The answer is 2:40
